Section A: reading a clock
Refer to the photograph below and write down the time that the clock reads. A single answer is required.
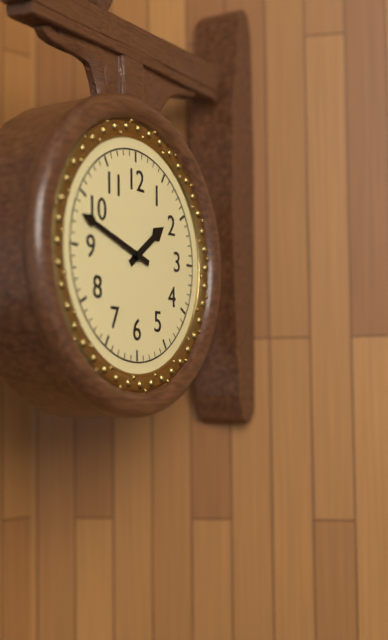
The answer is 1:48
